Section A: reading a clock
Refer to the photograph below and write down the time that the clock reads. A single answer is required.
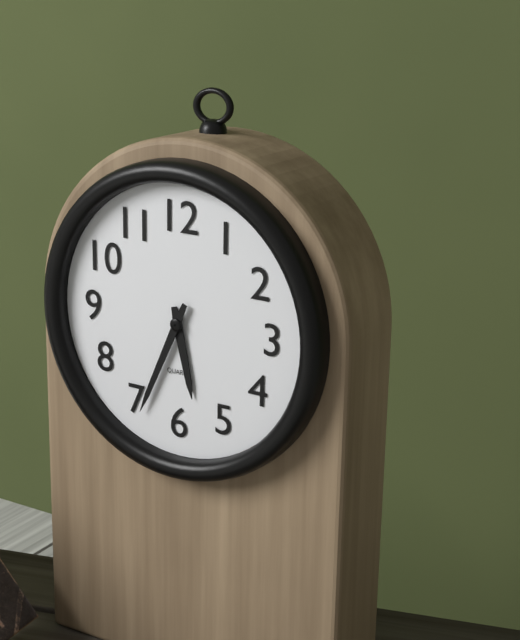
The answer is 5:34
